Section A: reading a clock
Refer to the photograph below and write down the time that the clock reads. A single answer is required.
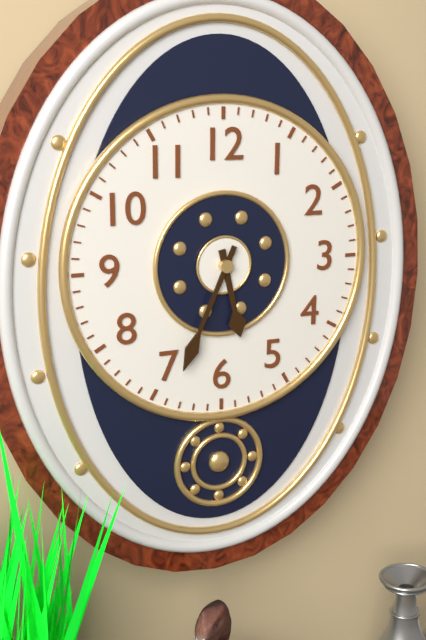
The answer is 5:34
